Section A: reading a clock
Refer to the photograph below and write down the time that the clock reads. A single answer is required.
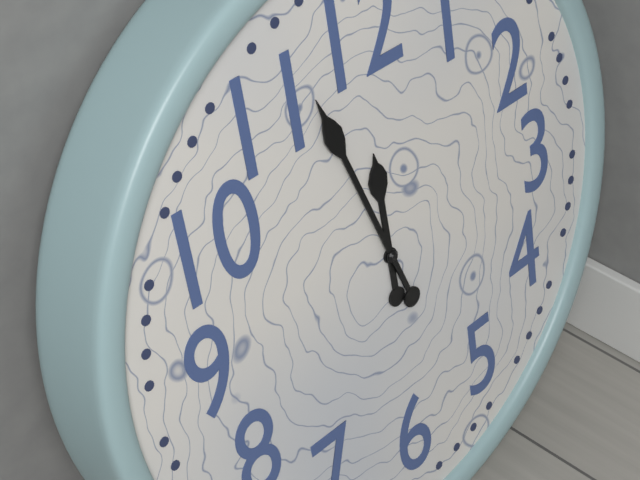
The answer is 11:57
